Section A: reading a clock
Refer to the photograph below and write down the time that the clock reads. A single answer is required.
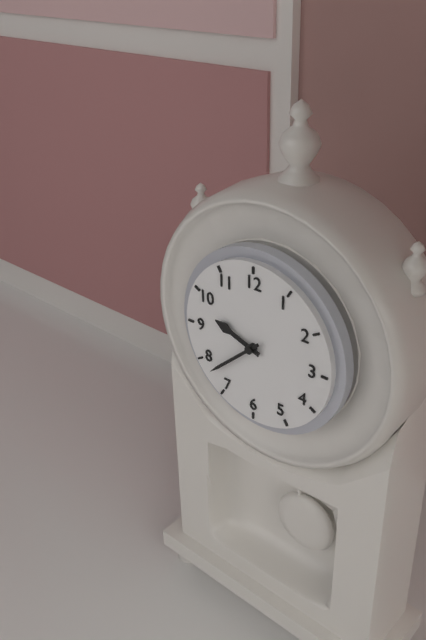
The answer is 9:38
